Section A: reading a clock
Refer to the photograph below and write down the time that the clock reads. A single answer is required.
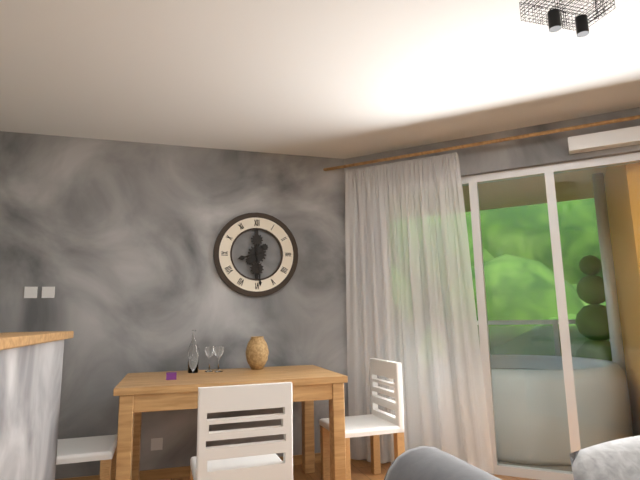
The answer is 8:29
